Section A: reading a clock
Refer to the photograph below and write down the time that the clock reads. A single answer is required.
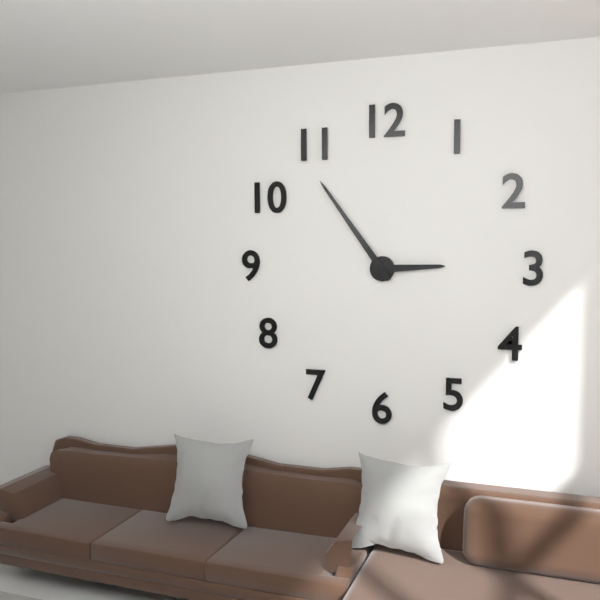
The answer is 2:54
